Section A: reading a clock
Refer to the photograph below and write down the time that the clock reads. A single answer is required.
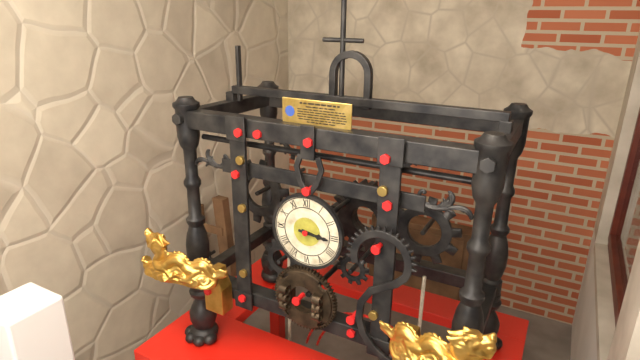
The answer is 3:16
